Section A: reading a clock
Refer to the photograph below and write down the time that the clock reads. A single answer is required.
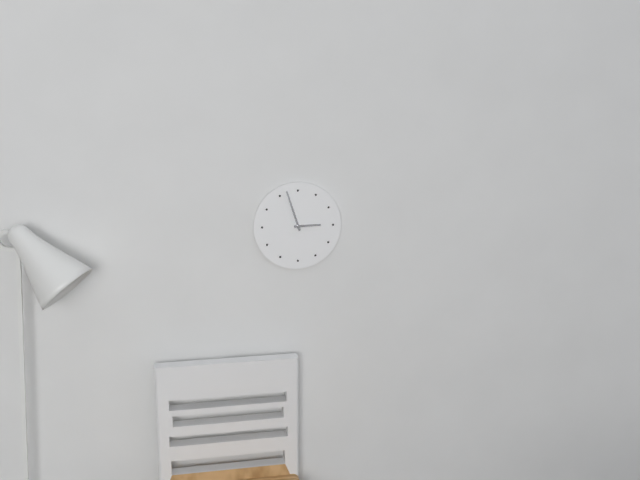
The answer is 2:57
